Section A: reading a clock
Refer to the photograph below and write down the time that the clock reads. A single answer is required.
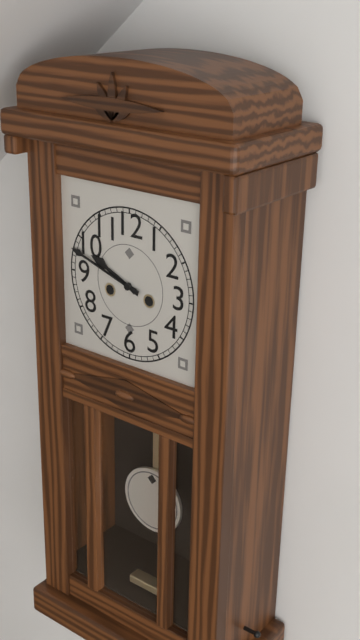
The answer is 9:48
